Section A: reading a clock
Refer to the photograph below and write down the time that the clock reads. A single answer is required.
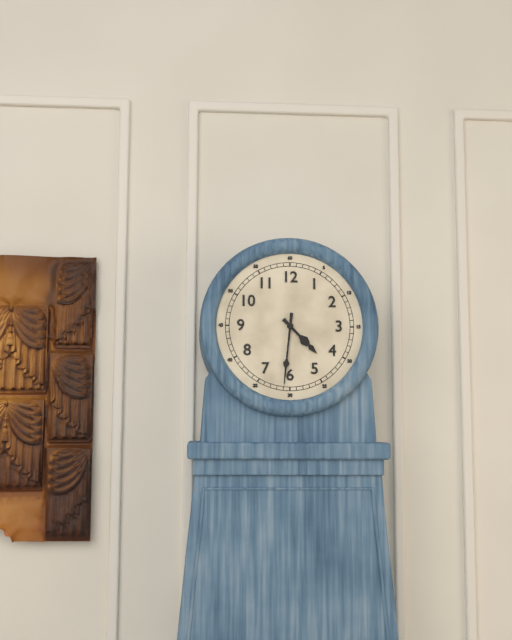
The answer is 4:31
